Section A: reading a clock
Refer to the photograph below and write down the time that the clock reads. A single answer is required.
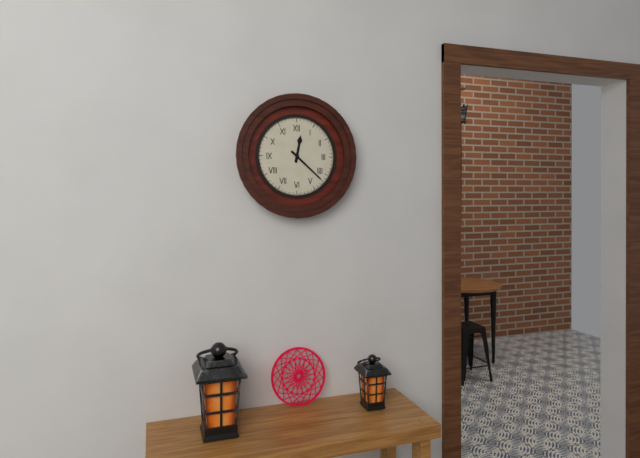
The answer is 12:22
